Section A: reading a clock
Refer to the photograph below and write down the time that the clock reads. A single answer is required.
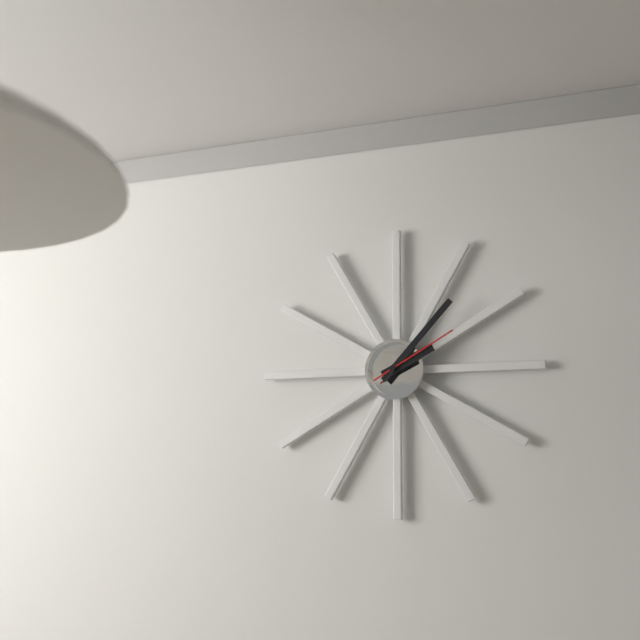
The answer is 2:07:10
